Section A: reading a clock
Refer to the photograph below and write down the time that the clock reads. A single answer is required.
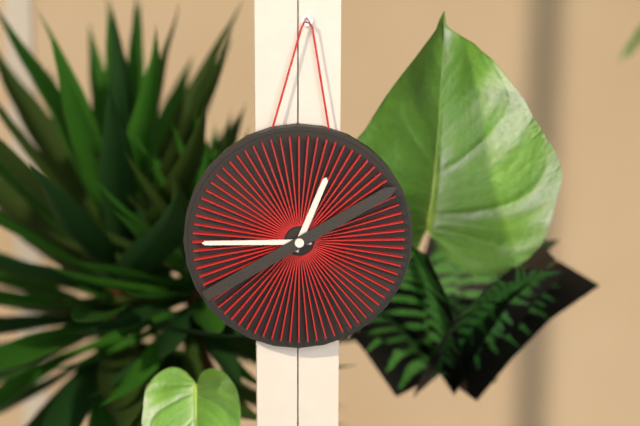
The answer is 12:45:10
